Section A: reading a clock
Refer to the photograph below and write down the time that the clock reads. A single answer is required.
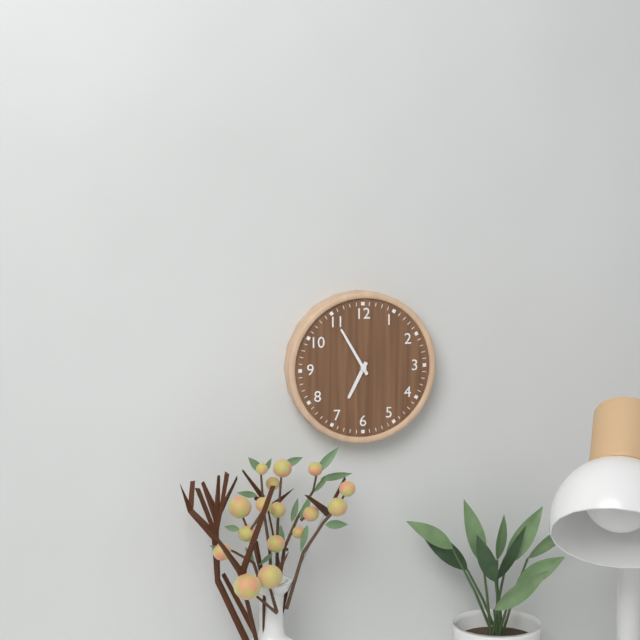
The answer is 6:55
